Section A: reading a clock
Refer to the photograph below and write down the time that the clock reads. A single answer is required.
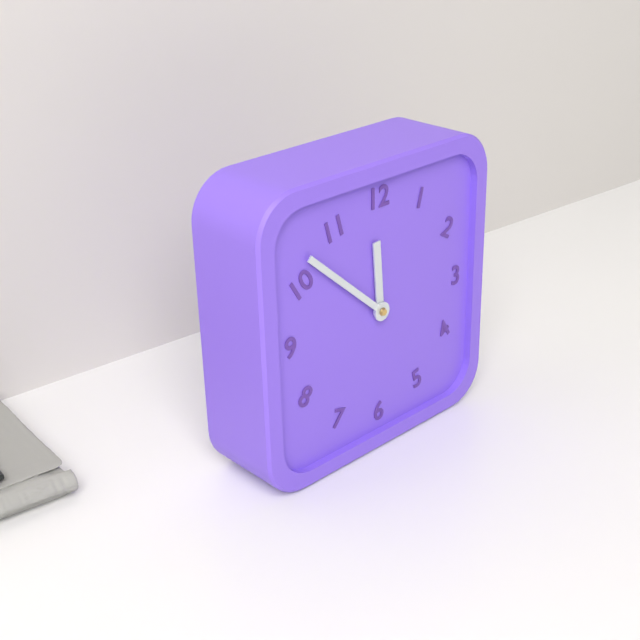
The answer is 11:52
